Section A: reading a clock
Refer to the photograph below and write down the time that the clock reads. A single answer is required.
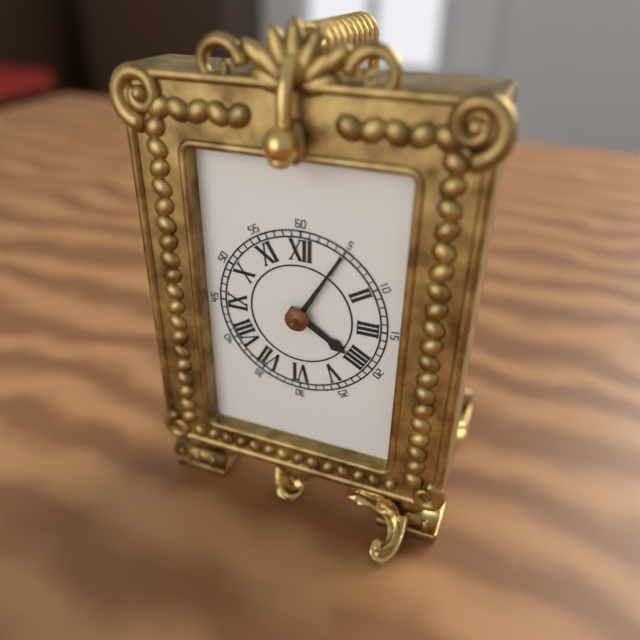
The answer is 4:05
